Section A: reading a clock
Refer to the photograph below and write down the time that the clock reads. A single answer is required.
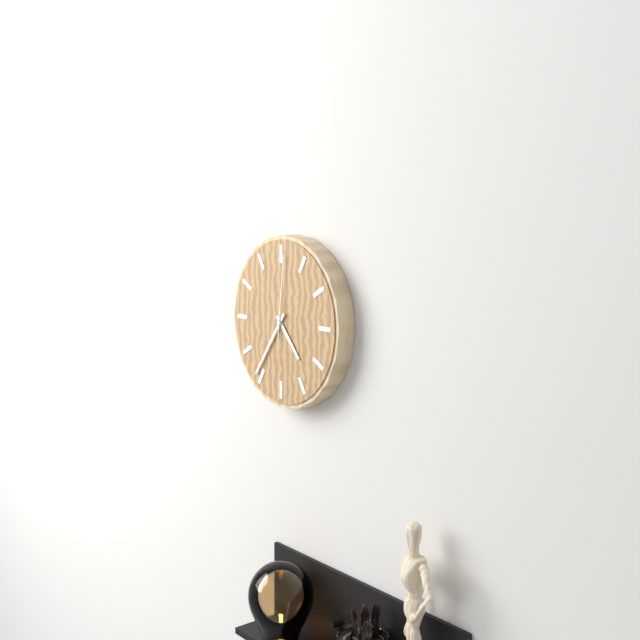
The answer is 4:36:01
